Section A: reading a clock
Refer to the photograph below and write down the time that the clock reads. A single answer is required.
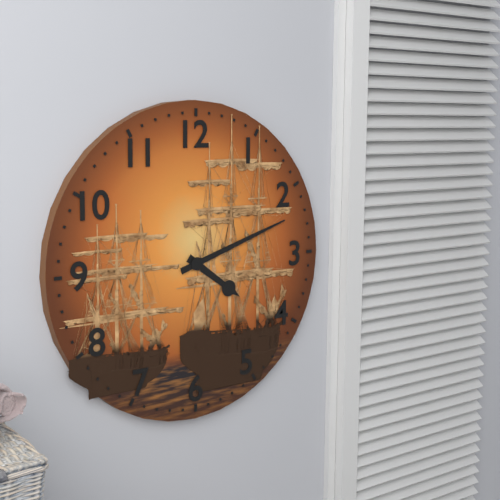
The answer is 4:12
